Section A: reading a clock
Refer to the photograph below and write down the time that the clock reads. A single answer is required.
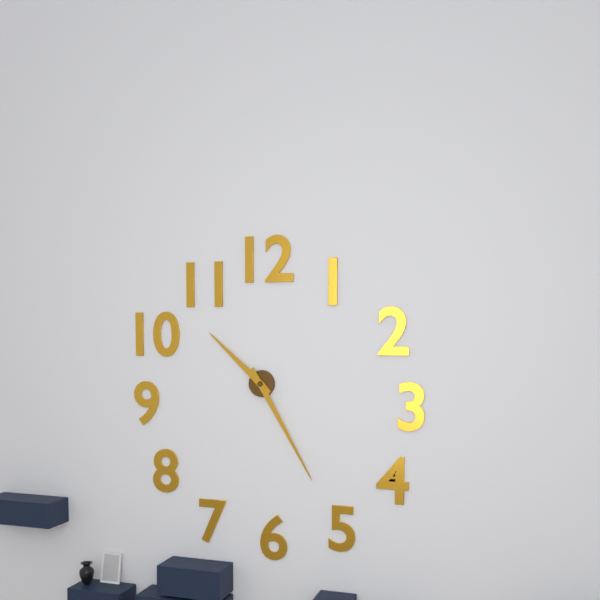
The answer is 10:25
